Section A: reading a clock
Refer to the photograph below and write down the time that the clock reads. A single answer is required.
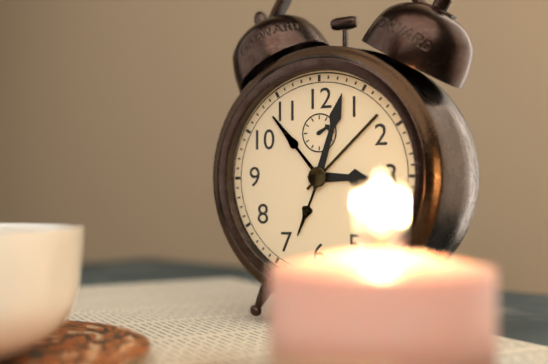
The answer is 3:03
